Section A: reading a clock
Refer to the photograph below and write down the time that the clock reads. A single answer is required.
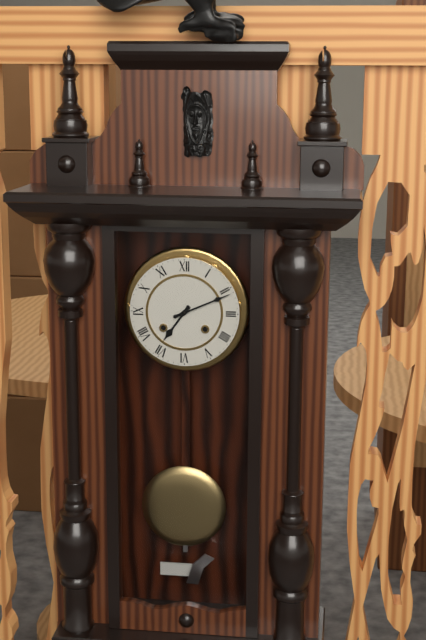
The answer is 7:11
